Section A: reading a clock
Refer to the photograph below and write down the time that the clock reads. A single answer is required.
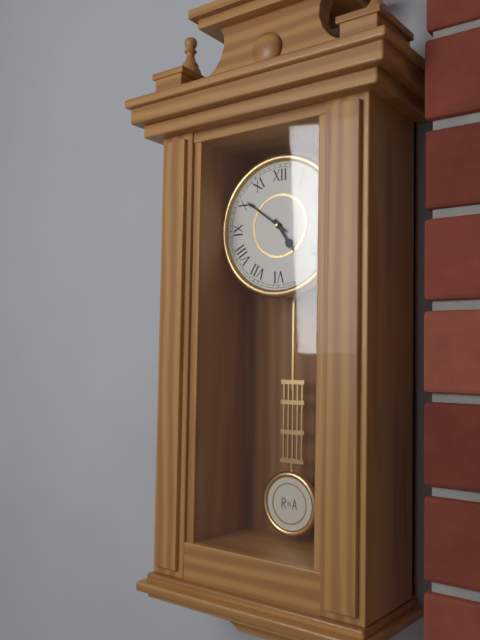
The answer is 4:51
